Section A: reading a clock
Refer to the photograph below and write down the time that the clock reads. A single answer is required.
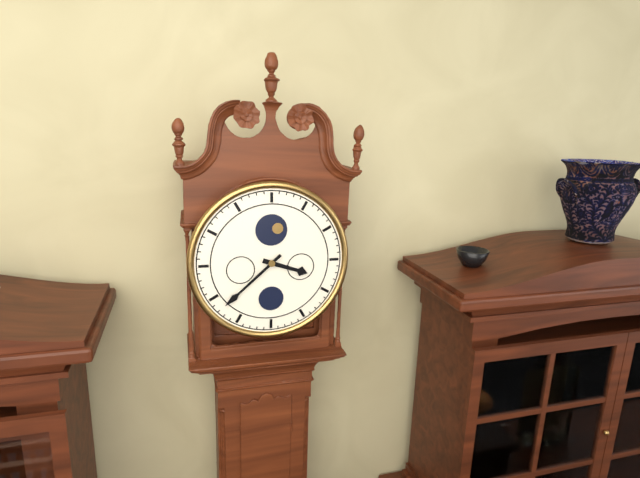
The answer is 3:38
